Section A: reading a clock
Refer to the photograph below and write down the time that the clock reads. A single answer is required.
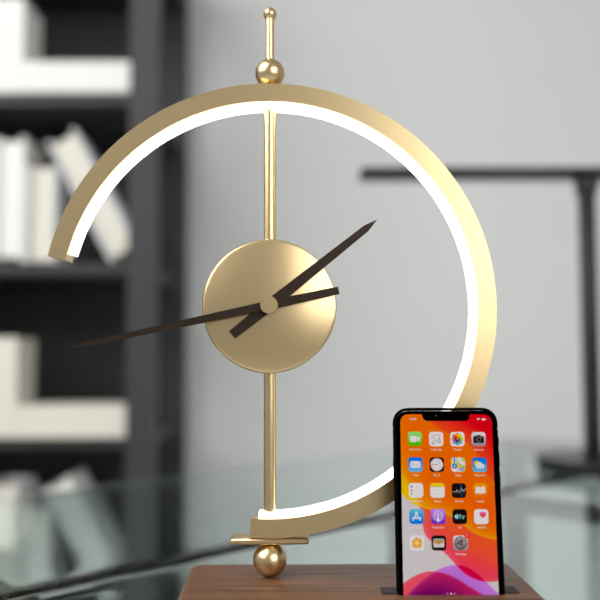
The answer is 1:43
